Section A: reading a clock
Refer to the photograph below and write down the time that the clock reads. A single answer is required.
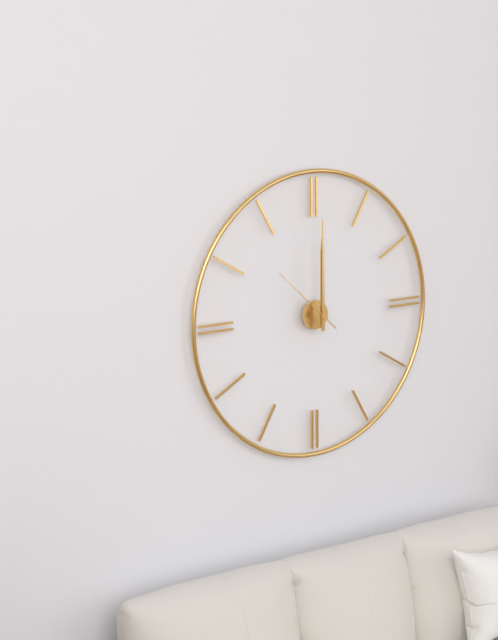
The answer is 12:00:52
